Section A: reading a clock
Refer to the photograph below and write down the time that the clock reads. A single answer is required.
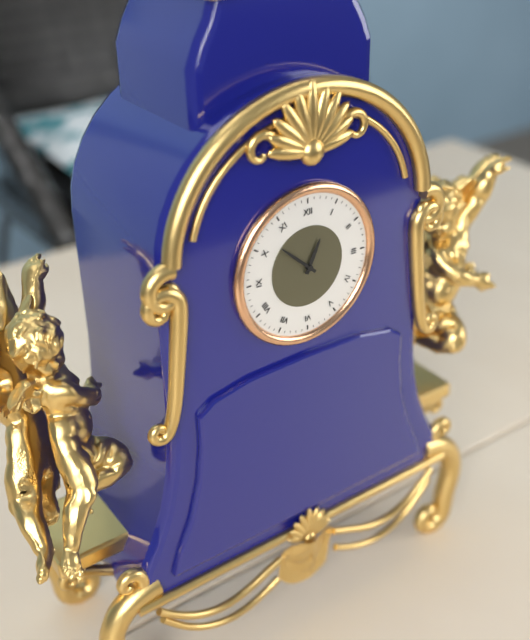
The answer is 12:52
